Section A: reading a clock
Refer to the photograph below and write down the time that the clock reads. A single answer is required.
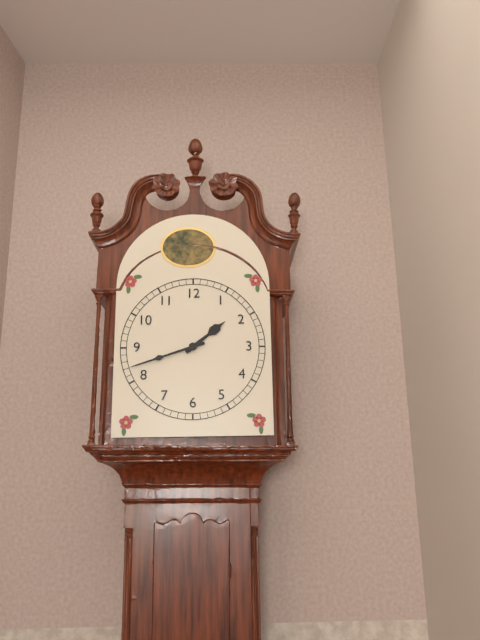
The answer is 1:42
